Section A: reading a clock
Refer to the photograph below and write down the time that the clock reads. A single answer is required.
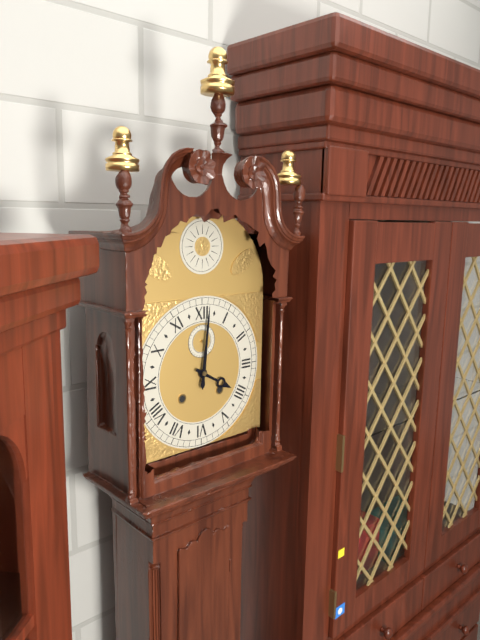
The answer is 4:01
